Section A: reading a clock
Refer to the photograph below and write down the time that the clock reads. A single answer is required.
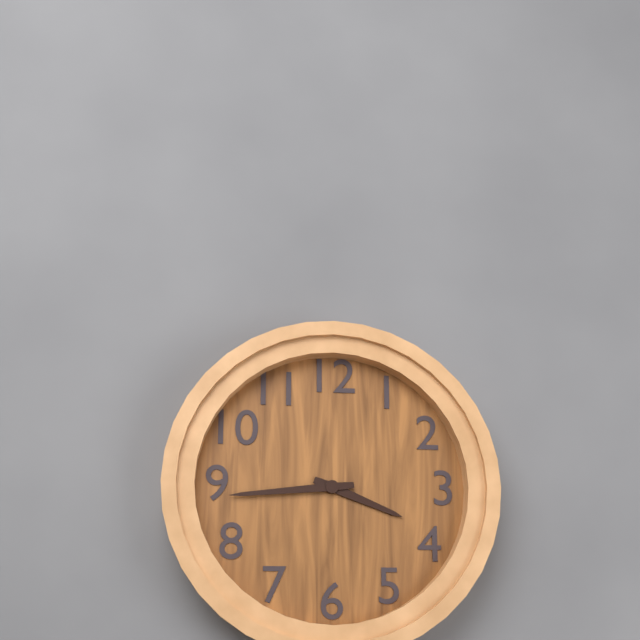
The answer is 3:44
